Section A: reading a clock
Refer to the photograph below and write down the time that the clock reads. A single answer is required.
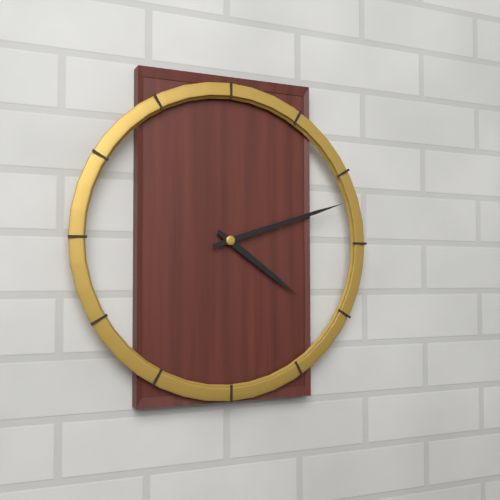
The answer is 4:12
